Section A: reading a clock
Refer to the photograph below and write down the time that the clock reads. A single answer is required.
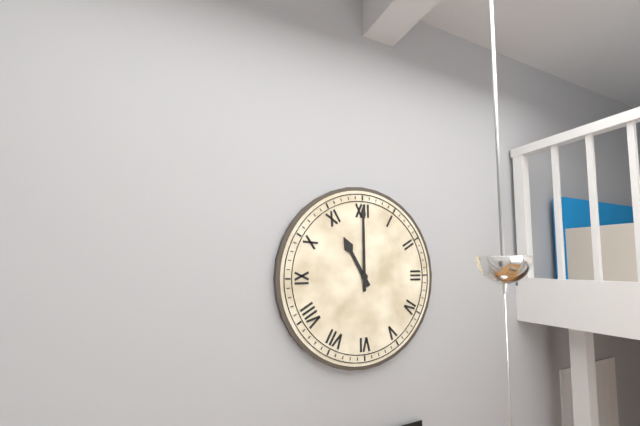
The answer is 11:00
